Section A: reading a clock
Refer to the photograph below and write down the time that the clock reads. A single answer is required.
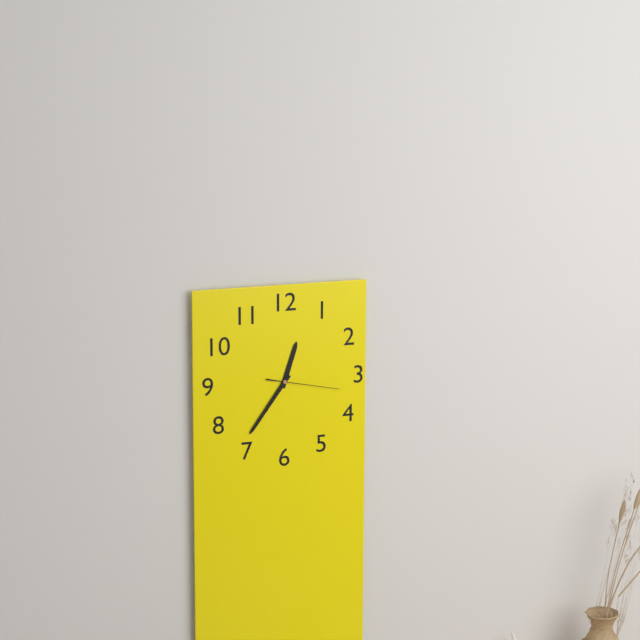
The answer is 12:36:17
